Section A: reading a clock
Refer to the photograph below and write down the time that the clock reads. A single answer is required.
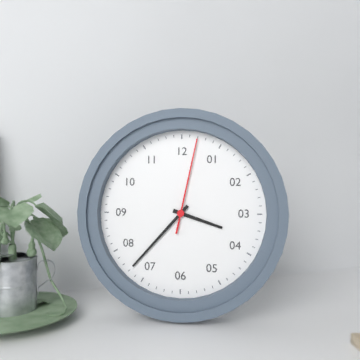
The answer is 3:37:02
